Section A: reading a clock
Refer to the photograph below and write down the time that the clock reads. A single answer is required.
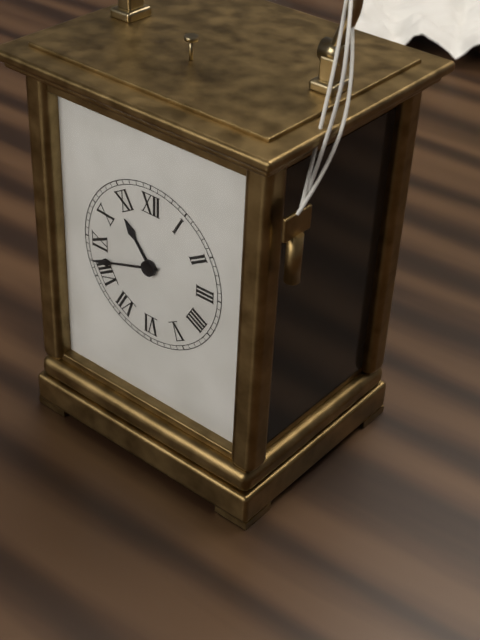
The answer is 10:42
